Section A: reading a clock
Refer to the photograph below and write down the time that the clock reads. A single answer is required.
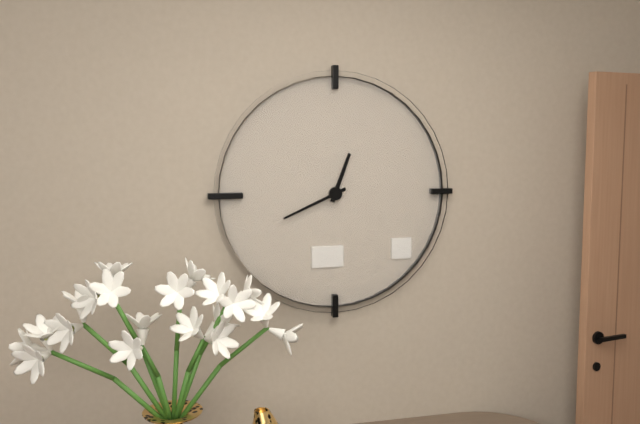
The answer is 12:41
